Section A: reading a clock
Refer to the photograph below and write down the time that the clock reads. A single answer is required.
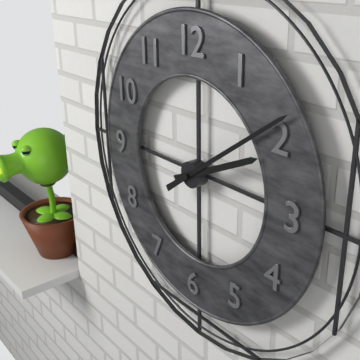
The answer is 2:09
